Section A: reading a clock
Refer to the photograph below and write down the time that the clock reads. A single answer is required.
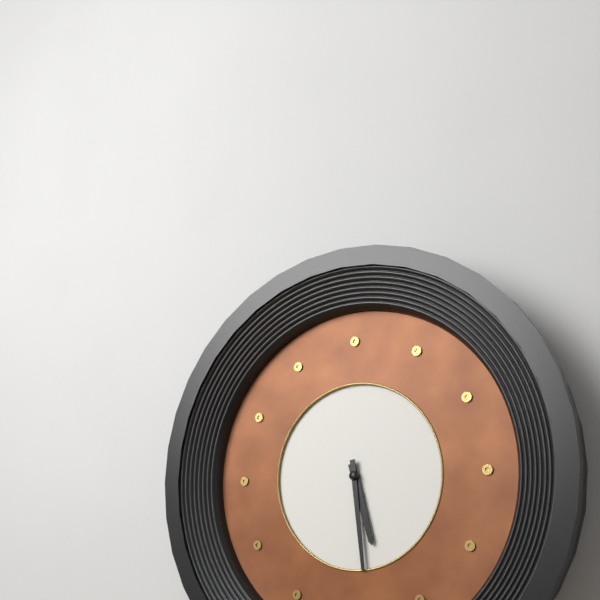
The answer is 5:29
